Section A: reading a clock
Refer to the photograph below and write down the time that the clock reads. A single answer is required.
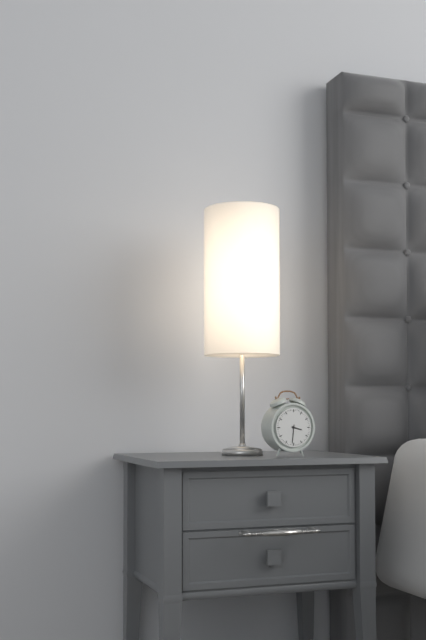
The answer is 3:31
